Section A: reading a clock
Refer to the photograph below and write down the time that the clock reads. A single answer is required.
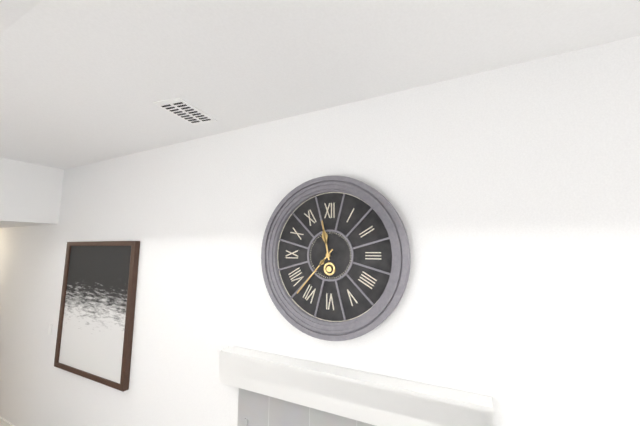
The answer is 11:37
